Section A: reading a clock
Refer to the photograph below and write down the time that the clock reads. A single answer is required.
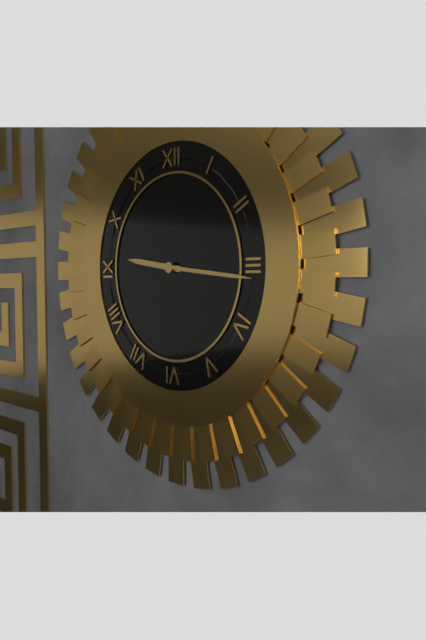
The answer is 9:16
